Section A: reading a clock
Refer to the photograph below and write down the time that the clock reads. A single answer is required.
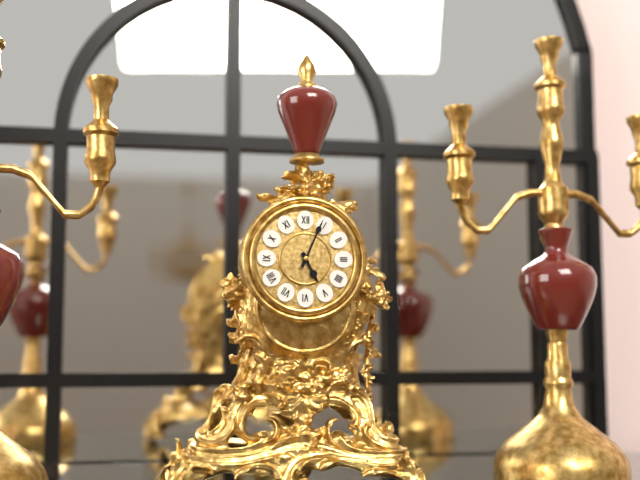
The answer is 5:04
